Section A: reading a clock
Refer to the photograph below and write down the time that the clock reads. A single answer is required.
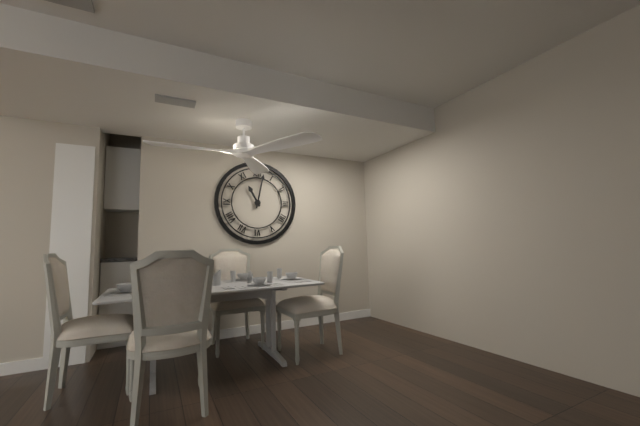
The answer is 11:02
